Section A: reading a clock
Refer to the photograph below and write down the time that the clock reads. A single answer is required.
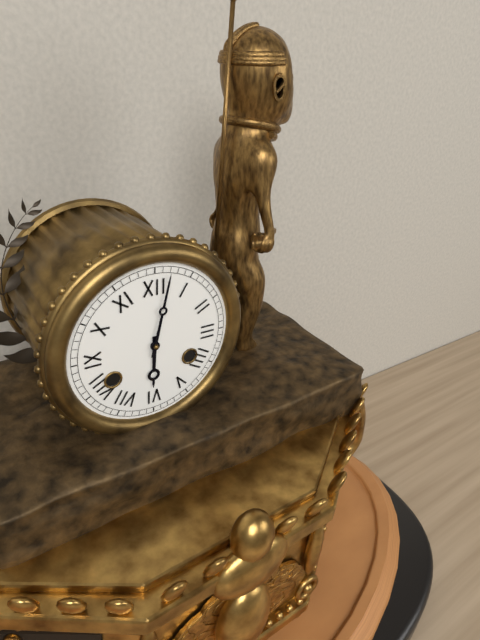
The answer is 6:02
